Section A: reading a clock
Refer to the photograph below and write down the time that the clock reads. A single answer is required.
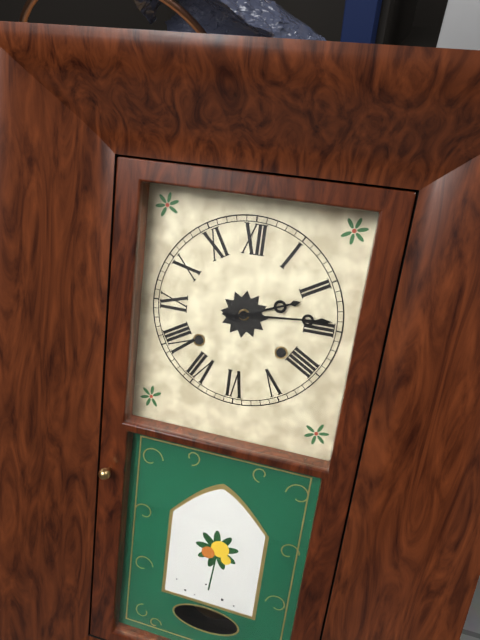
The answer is 2:14
